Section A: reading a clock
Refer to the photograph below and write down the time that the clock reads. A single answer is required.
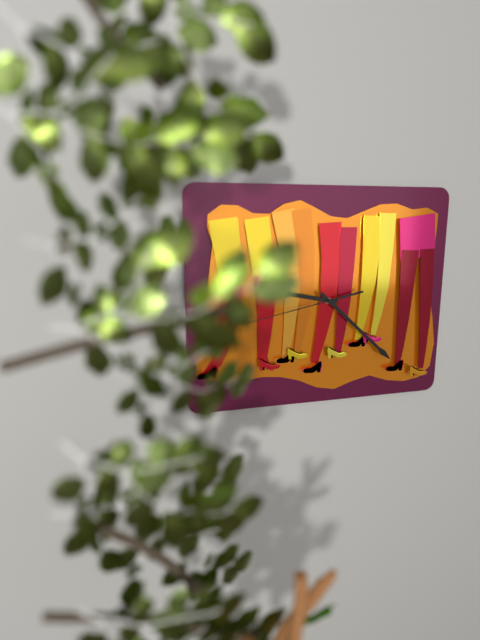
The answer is 9:22:43
